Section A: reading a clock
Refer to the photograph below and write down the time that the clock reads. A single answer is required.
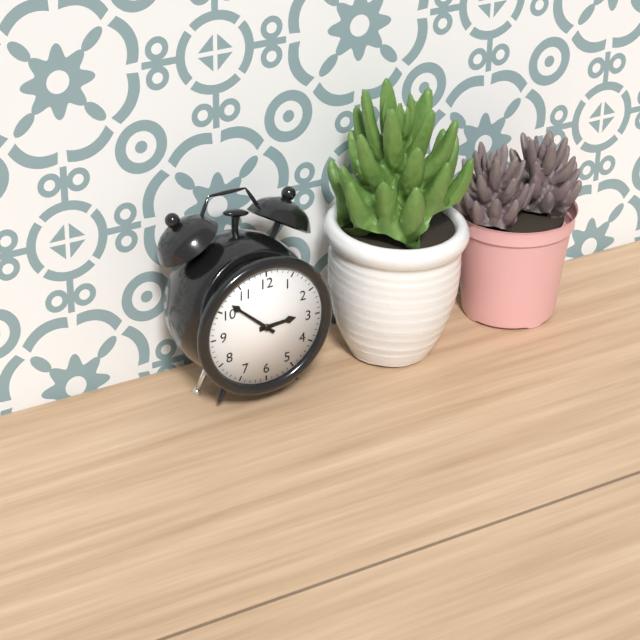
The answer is 2:52
